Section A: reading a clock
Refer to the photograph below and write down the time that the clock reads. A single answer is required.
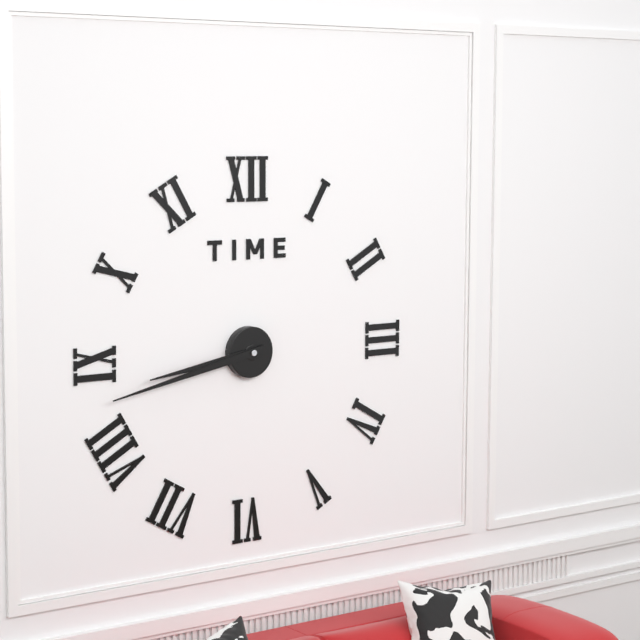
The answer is 8:43
